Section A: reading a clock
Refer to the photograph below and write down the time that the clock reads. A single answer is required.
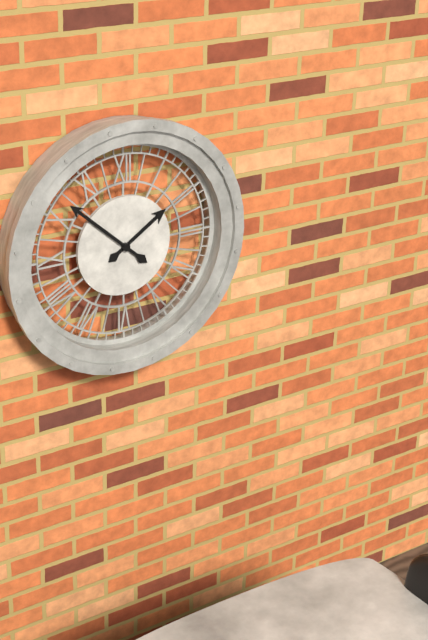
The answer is 1:52
